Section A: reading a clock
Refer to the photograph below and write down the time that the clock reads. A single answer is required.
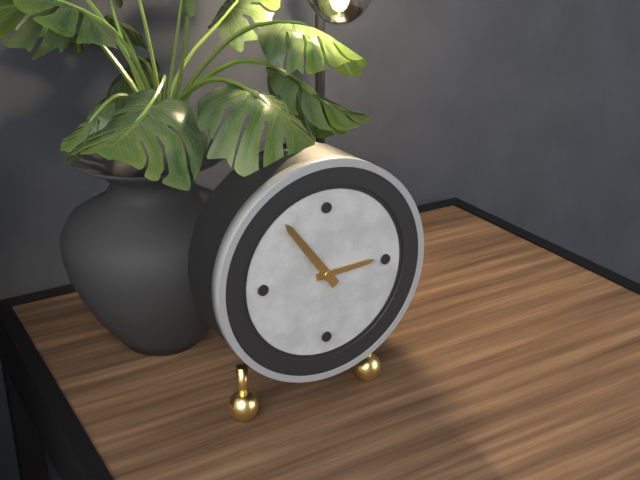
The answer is 2:54
